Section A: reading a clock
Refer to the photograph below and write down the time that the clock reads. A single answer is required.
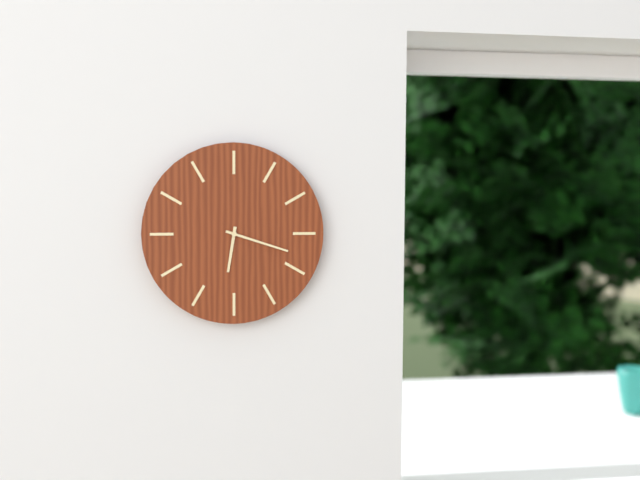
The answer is 6:18
